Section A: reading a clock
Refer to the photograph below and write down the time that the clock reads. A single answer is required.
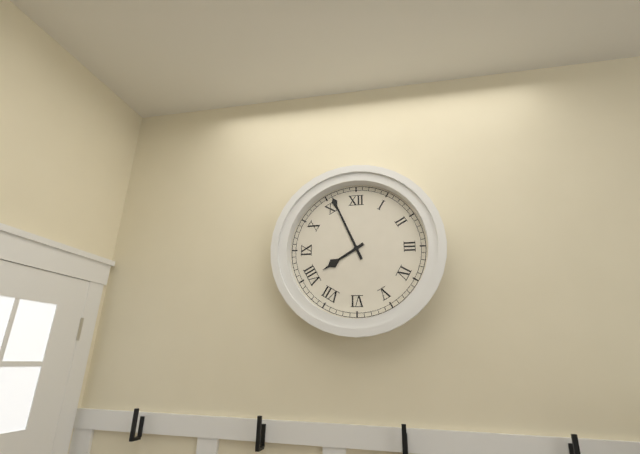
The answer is 7:56
